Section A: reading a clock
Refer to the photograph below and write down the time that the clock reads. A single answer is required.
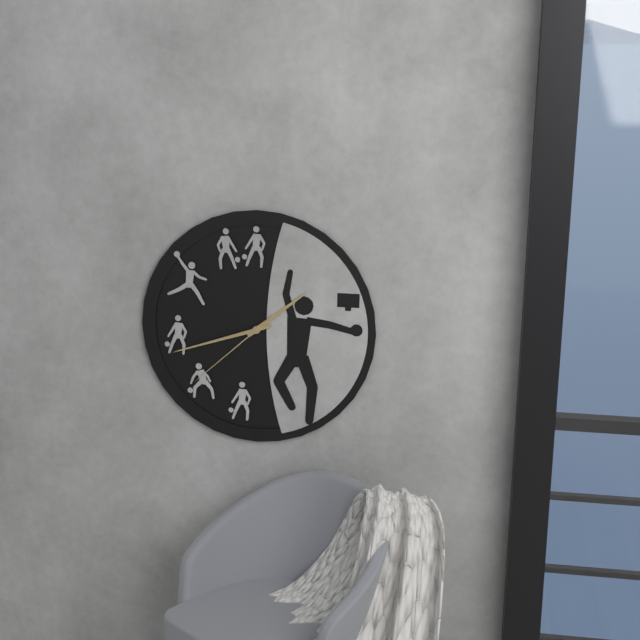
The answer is 1:42:38
